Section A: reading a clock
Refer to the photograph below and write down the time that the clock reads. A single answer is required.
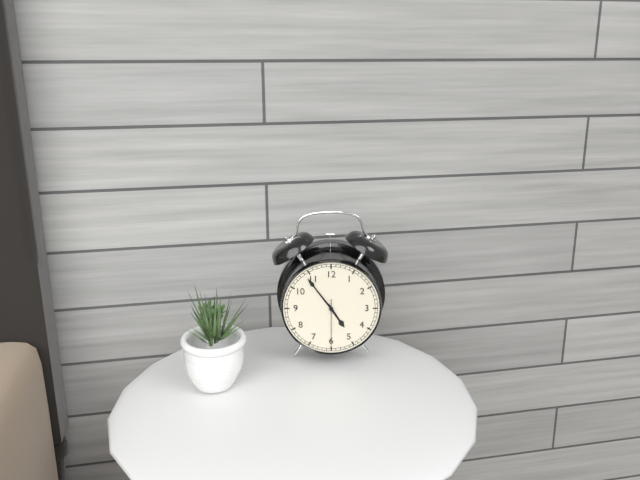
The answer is 4:54:30
